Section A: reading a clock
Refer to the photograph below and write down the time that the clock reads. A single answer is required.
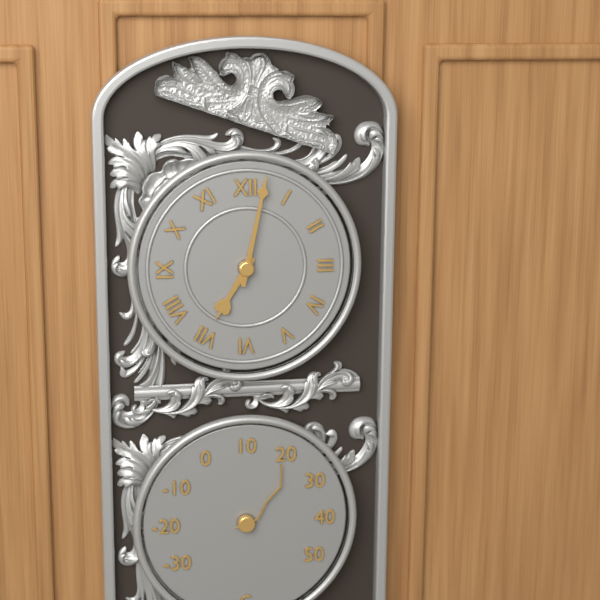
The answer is 7:02
